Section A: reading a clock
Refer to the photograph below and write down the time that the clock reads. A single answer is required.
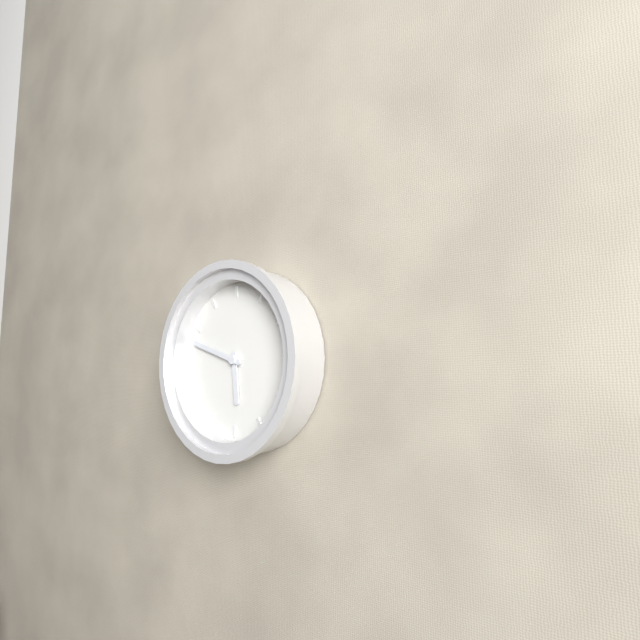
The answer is 5:48
